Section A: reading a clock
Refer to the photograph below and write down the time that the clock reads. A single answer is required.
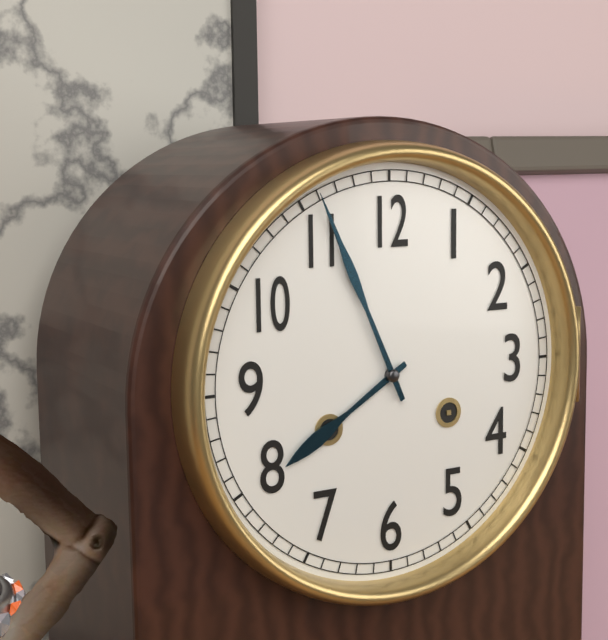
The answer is 7:56
